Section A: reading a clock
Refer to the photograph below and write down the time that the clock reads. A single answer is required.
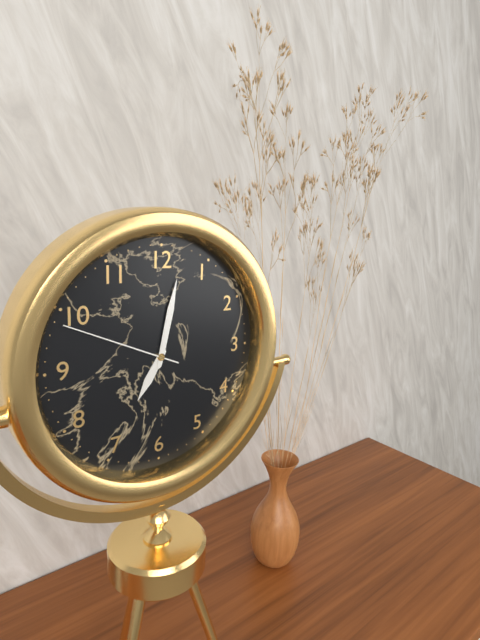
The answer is 7:02:49
